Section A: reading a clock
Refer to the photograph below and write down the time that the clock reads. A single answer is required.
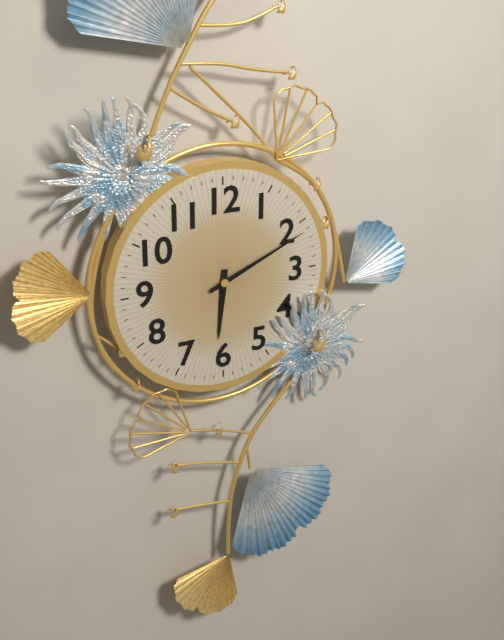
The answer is 6:11
